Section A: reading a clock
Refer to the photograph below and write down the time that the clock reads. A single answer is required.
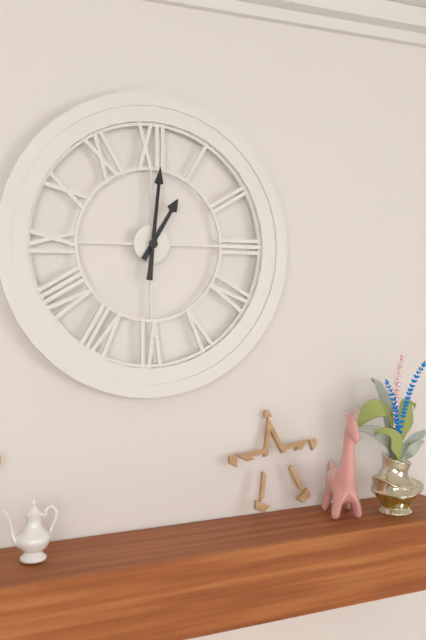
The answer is 1:01
